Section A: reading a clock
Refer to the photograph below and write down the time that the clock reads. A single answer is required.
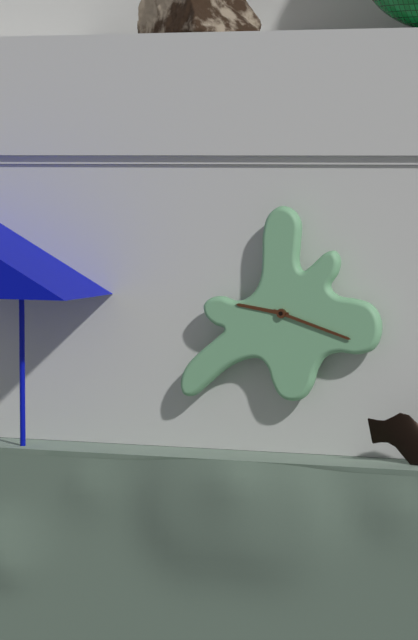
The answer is 9:18
